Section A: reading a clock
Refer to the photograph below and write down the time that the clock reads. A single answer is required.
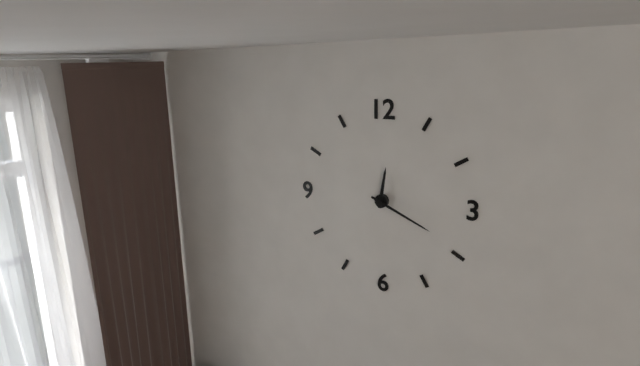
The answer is 12:19
